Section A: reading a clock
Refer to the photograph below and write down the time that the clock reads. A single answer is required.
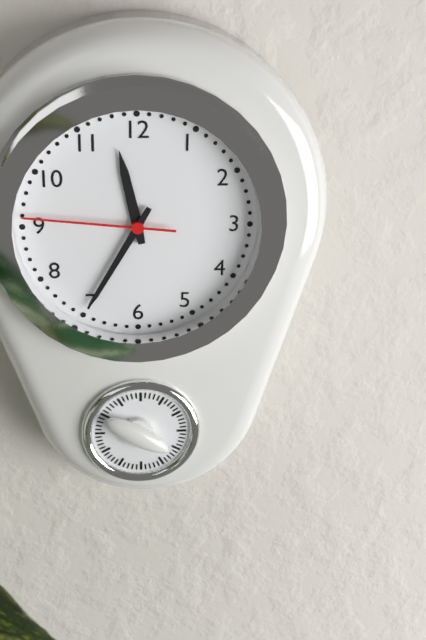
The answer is 11:35:46
